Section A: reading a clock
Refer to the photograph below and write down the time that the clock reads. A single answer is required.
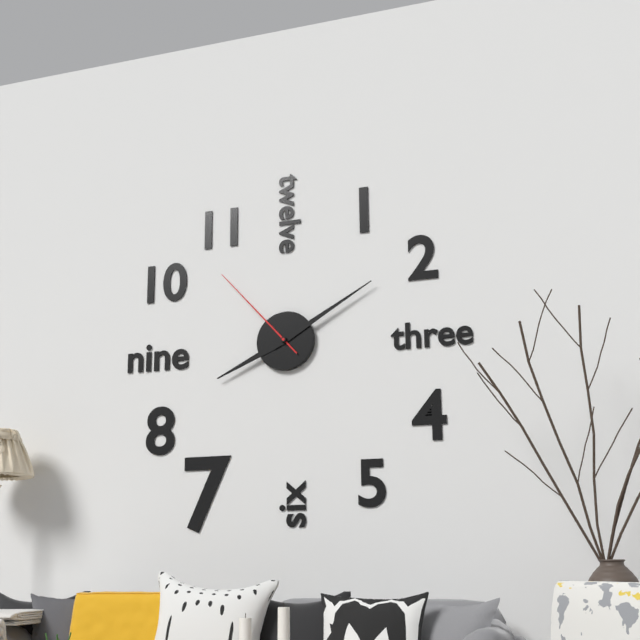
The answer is 8:10:53
